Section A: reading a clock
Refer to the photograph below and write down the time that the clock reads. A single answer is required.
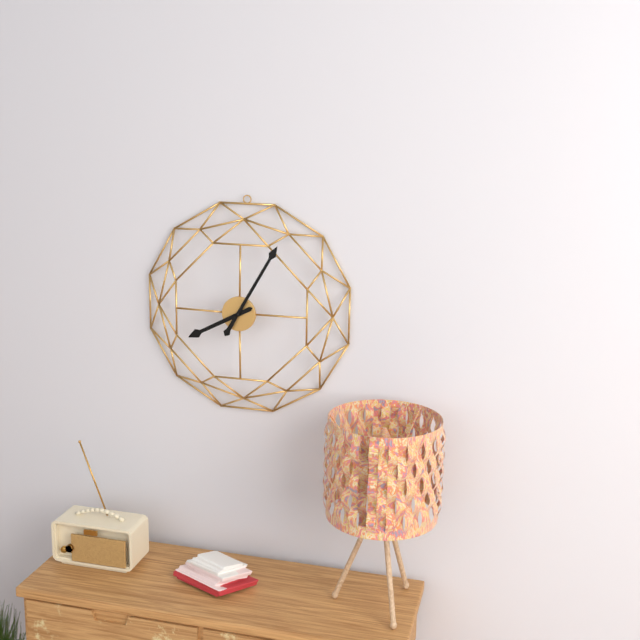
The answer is 8:05
